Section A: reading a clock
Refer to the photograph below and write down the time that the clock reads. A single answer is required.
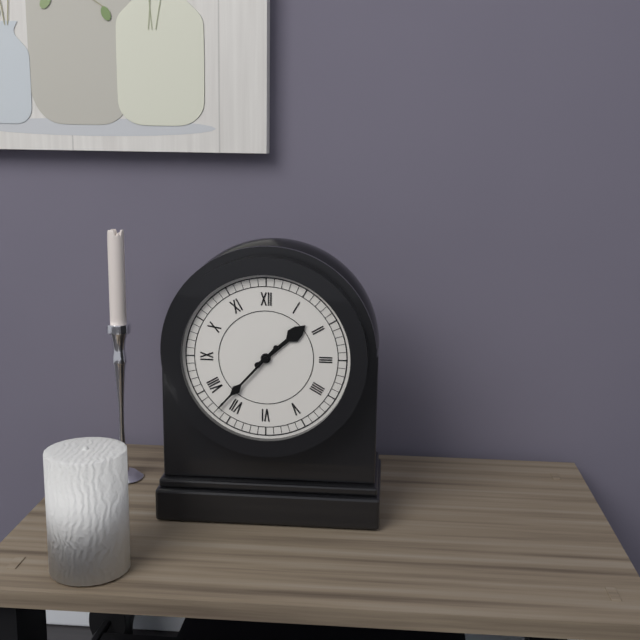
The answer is 1:37
